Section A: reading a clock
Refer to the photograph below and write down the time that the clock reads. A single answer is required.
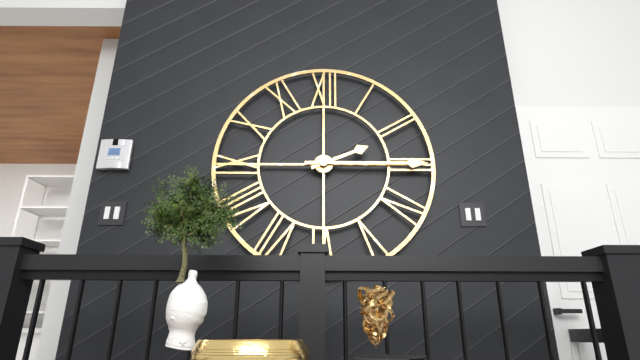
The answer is 2:15
